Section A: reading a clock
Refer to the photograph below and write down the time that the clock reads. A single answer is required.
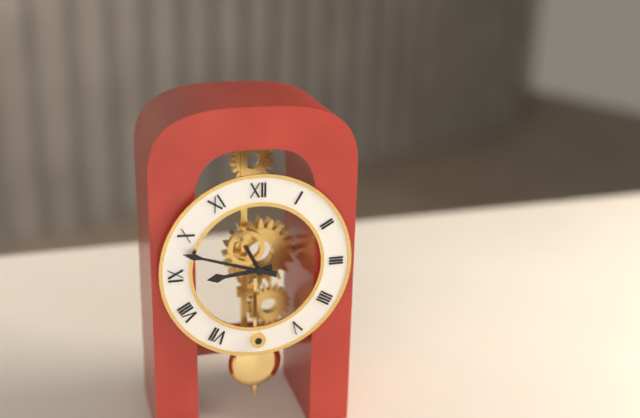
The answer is 8:48
